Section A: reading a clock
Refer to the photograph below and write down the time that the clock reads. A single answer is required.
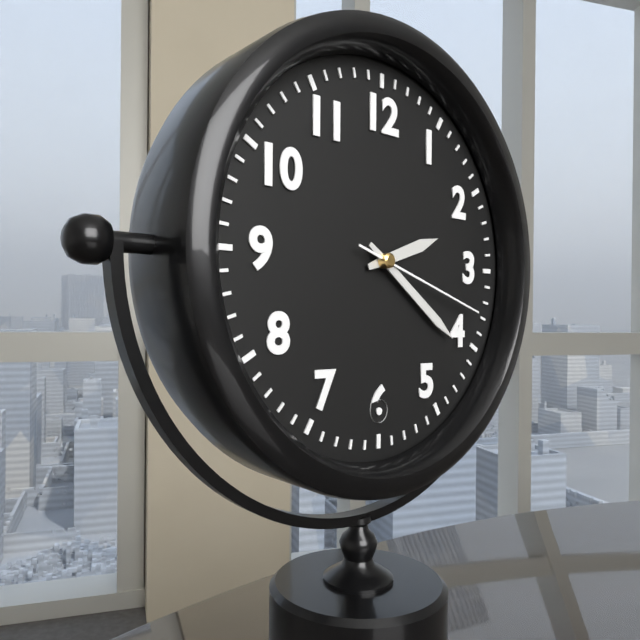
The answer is 2:21:18
